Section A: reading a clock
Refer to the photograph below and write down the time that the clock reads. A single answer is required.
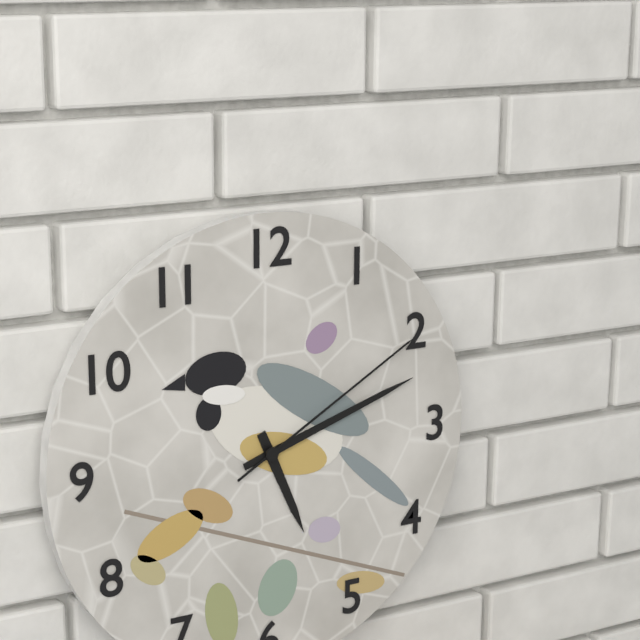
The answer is 5:12:10
